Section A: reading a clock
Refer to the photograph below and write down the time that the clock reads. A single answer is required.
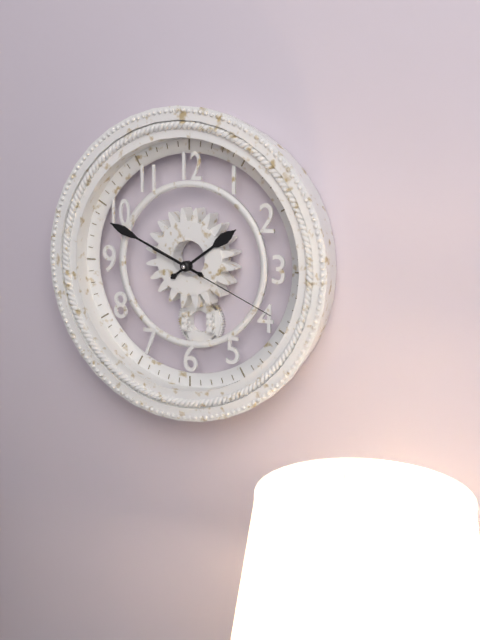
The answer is 1:49:19
